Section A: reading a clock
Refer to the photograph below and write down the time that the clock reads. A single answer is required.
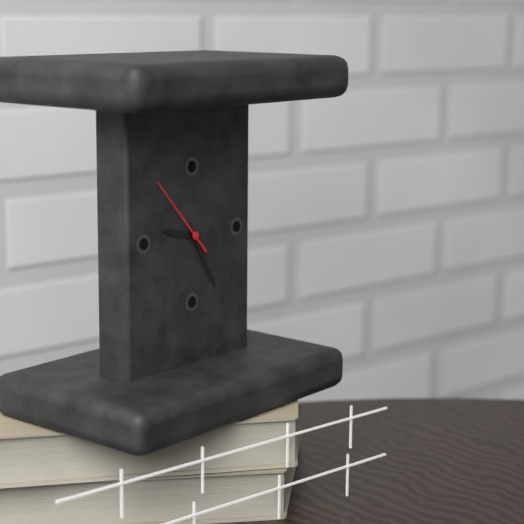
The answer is 9:25:53
